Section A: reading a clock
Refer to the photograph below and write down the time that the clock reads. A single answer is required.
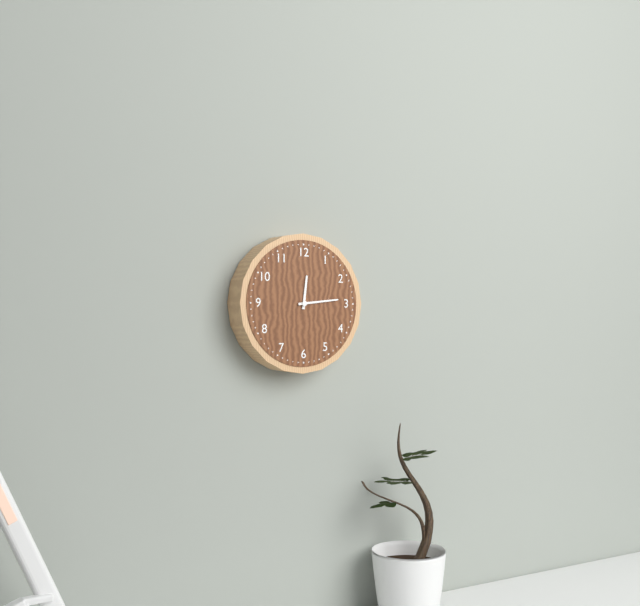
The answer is 12:14
